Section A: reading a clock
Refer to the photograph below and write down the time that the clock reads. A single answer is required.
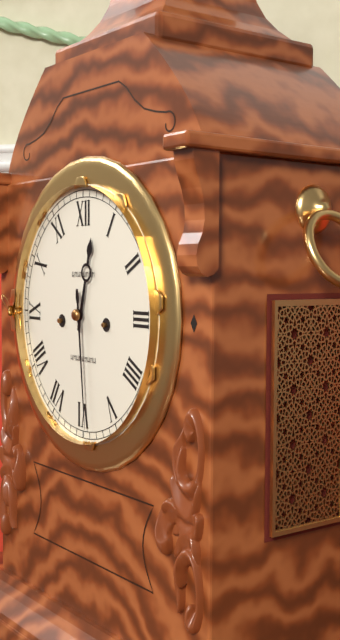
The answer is 12:29
